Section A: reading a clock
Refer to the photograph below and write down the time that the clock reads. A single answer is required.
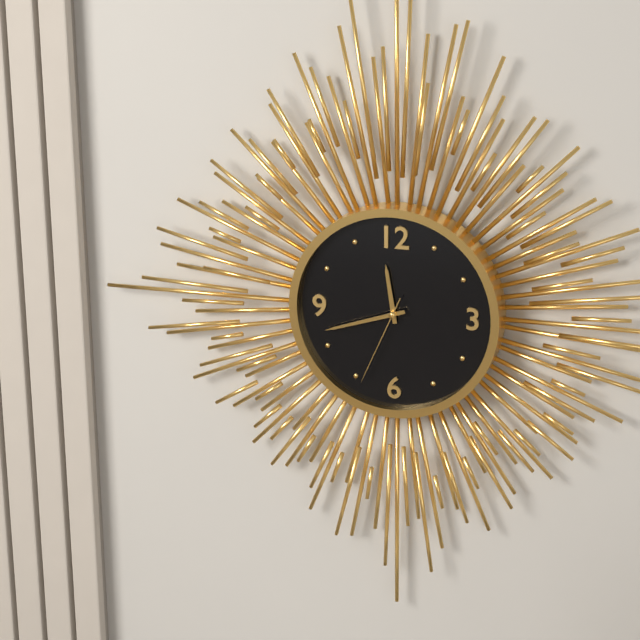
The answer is 11:42:34
